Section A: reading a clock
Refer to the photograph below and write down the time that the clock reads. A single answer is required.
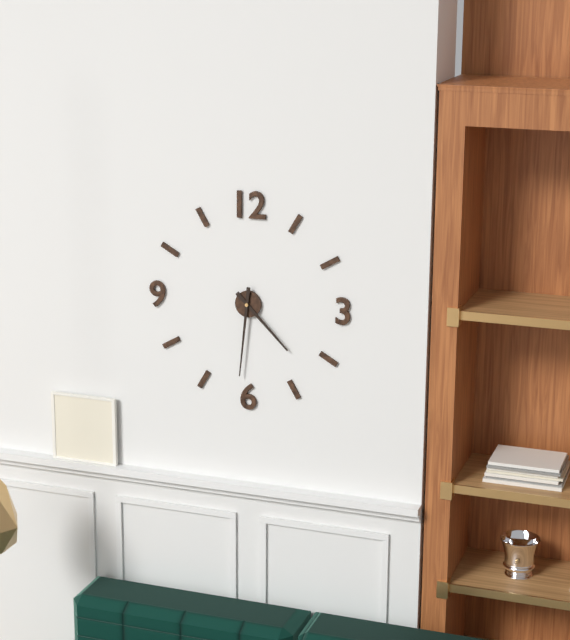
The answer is 4:31
